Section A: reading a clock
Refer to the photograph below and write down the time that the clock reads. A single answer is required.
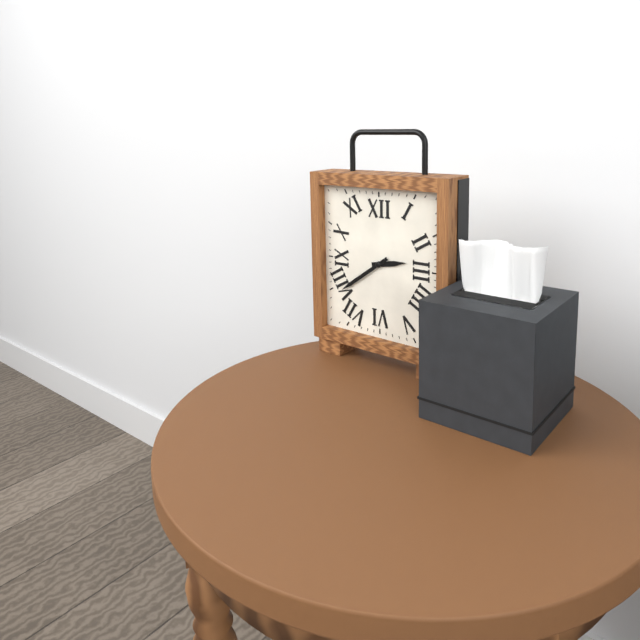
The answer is 2:39
